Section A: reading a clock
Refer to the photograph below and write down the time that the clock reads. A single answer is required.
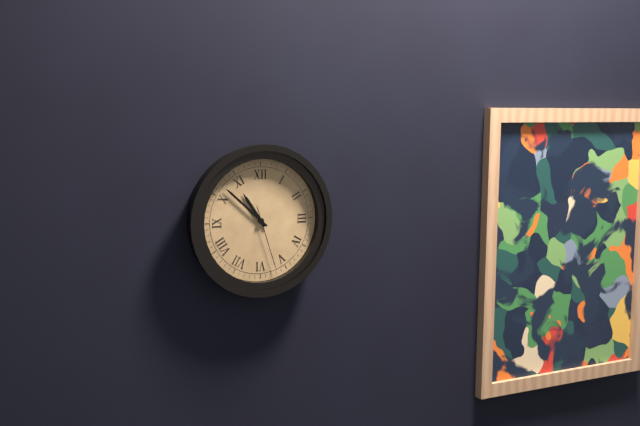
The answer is 10:52:27
